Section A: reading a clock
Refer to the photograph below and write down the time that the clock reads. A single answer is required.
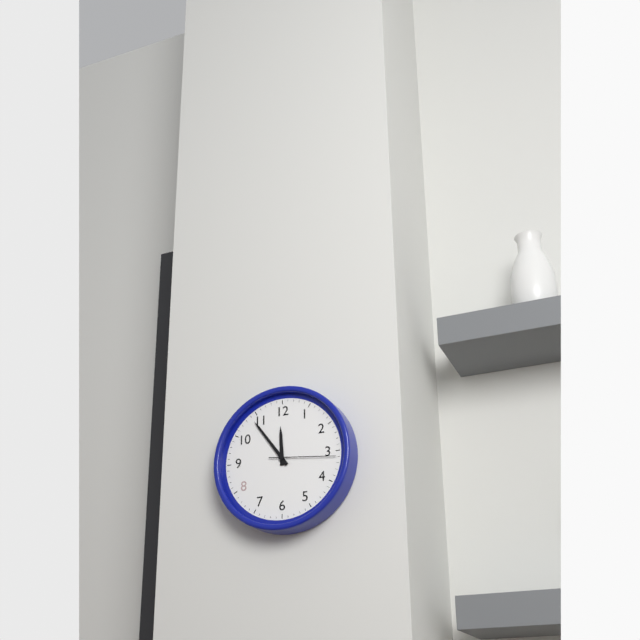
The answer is 11:54:16
